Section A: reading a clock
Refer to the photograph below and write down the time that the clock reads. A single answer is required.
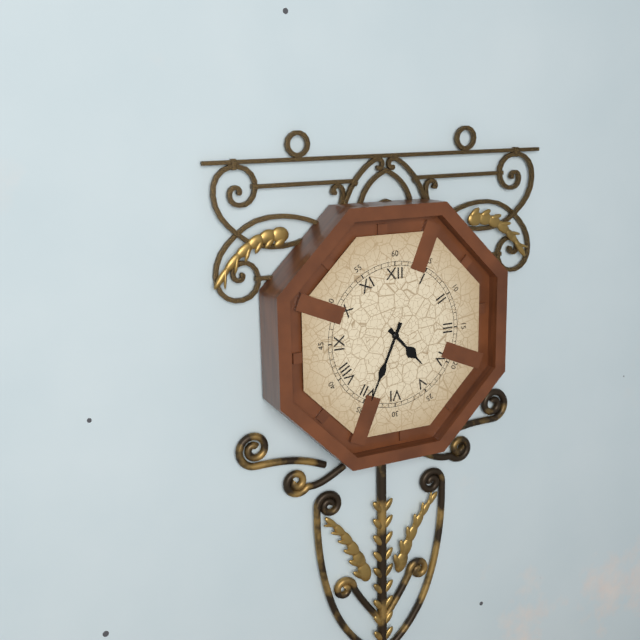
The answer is 4:34
